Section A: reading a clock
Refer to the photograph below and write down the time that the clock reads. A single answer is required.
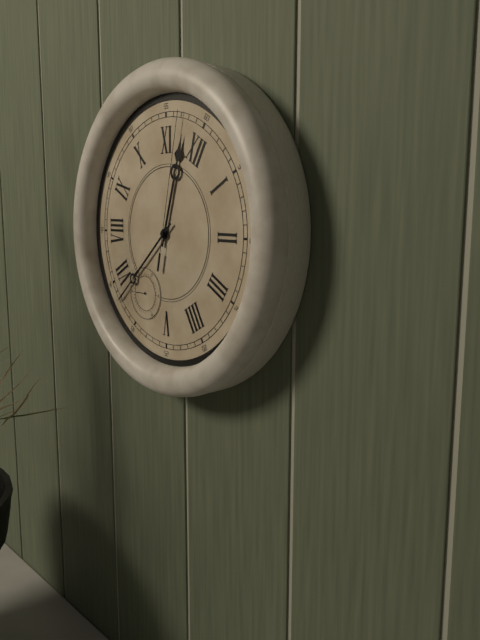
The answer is 11:33:57
